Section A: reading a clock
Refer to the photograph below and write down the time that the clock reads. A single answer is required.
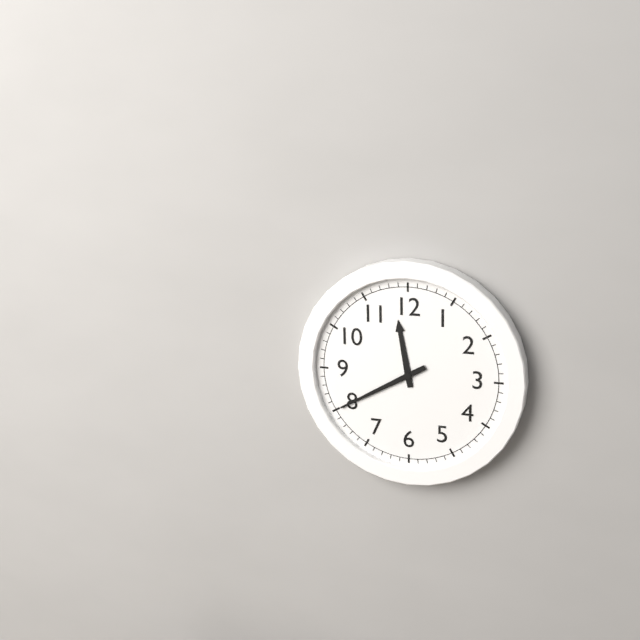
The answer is 11:40
